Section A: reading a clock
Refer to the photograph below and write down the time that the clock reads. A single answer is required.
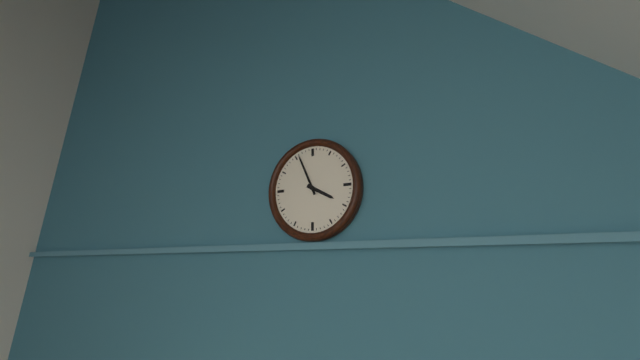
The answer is 3:56
